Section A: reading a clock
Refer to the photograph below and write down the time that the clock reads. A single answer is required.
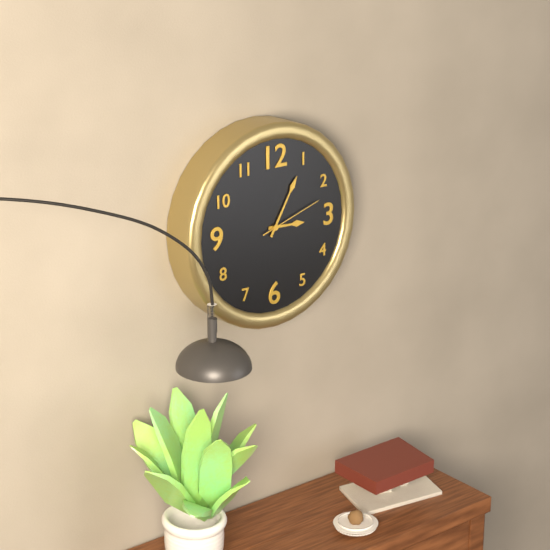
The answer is 3:05:12
